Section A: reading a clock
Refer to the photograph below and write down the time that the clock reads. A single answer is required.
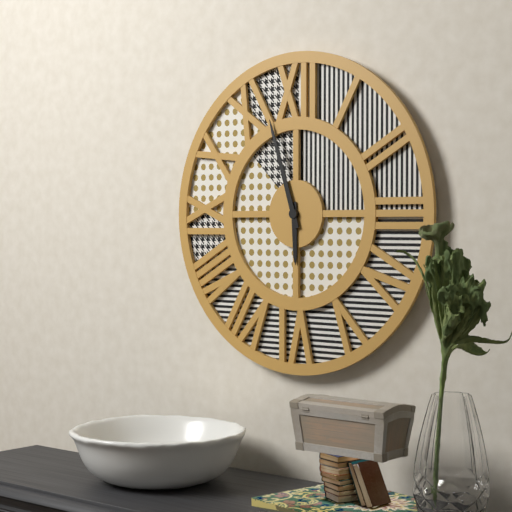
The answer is 5:57
